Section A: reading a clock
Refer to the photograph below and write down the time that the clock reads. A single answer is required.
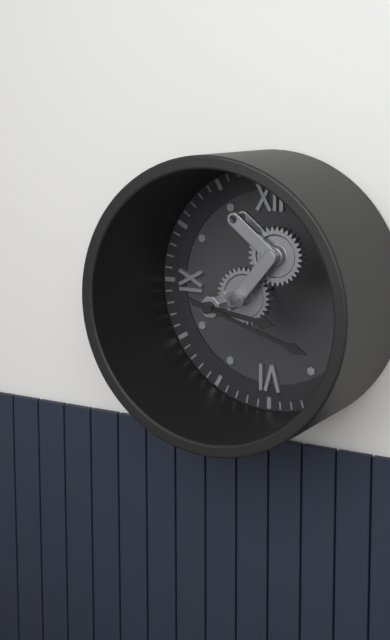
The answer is 3:18
